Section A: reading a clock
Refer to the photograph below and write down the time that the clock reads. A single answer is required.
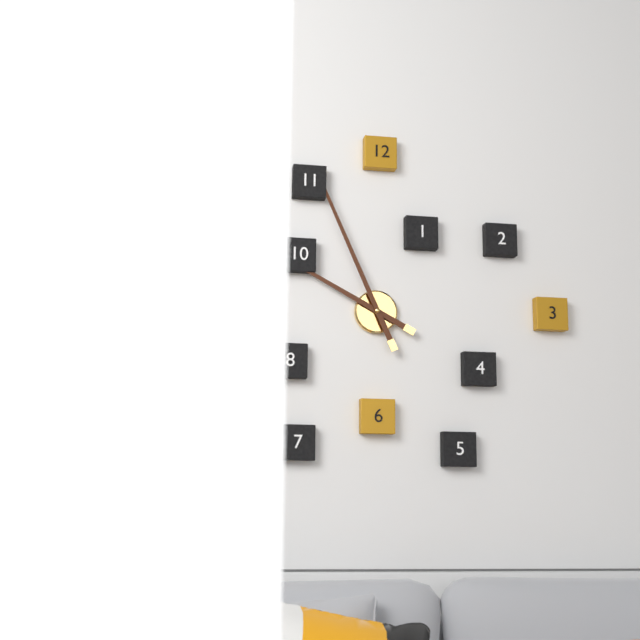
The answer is 9:56
